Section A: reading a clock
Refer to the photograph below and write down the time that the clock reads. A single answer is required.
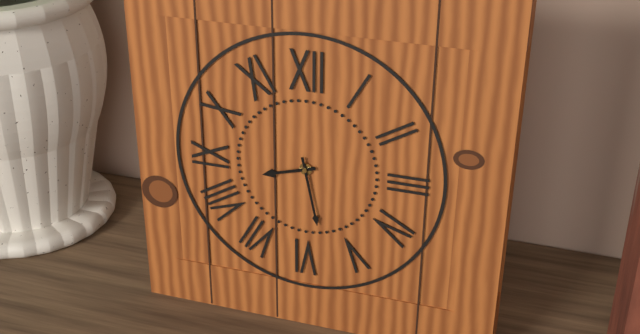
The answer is 8:28
